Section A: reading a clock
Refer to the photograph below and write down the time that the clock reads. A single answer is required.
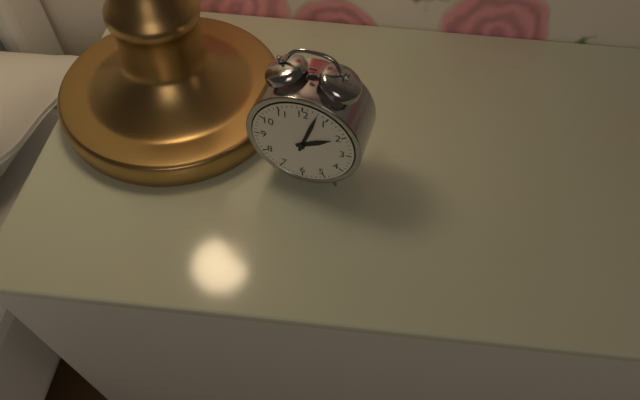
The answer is 2:03
